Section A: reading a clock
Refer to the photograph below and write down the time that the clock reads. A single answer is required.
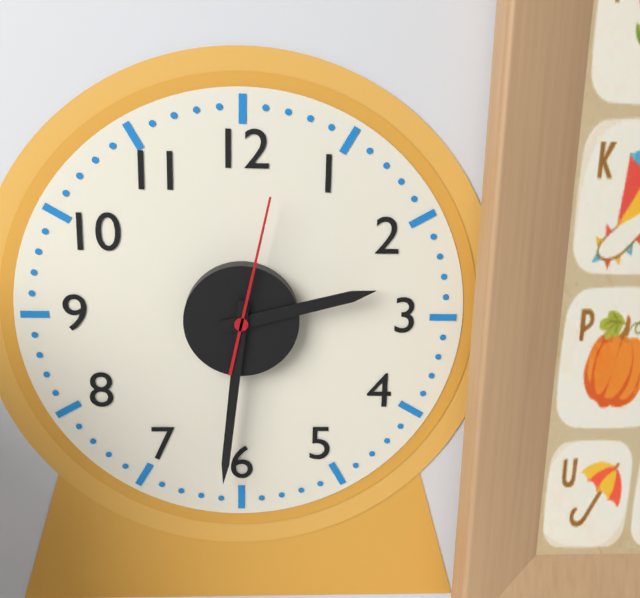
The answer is 2:31:02
